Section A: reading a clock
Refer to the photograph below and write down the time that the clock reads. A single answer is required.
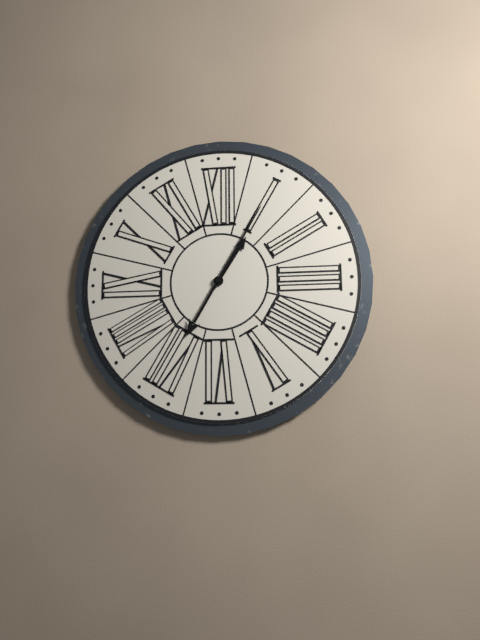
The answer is 1:05
